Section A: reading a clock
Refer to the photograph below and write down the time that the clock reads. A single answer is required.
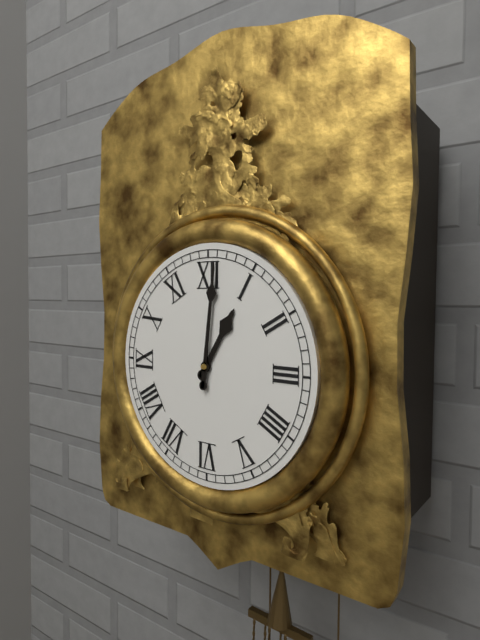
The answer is 1:01
